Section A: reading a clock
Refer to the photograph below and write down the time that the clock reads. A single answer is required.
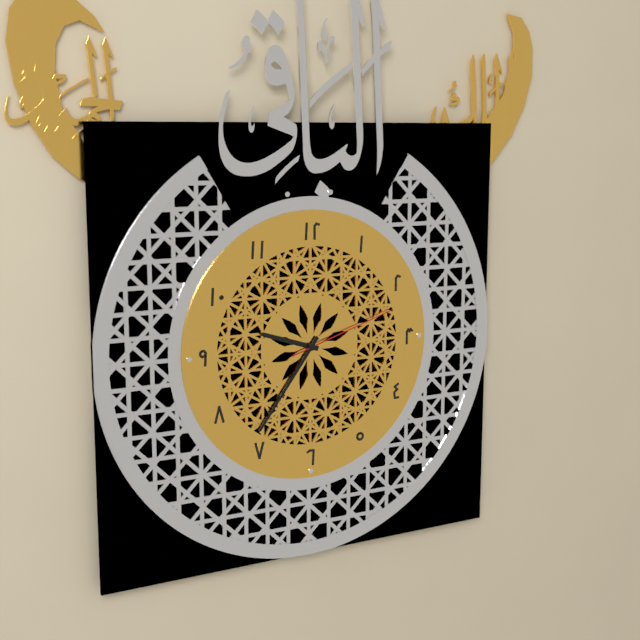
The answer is 9:36:12
